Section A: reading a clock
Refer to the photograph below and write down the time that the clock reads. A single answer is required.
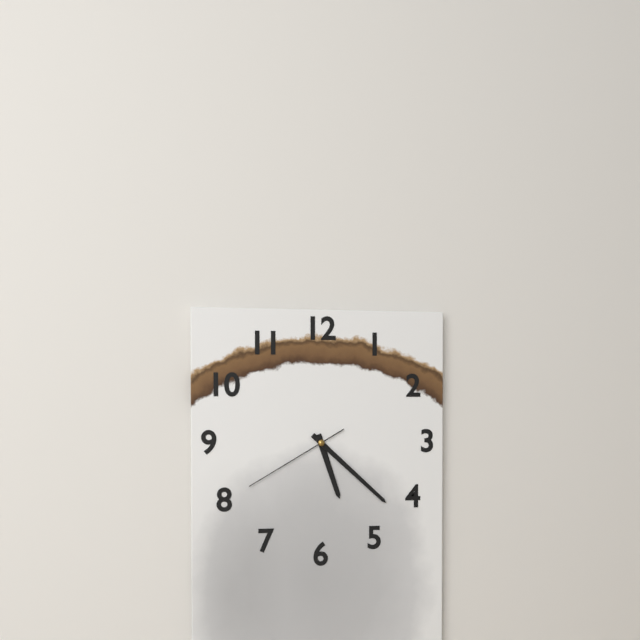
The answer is 5:22:40
